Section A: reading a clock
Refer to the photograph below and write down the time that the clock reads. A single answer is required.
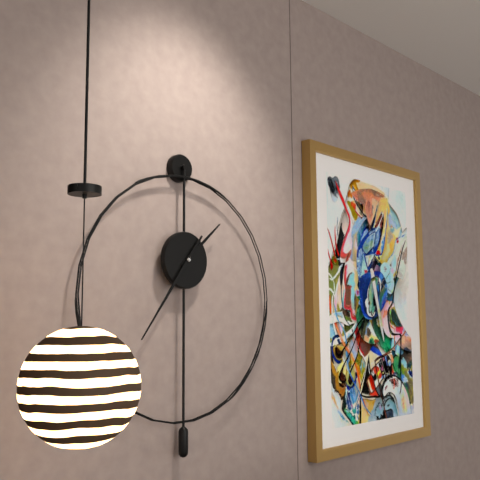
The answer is 1:36
